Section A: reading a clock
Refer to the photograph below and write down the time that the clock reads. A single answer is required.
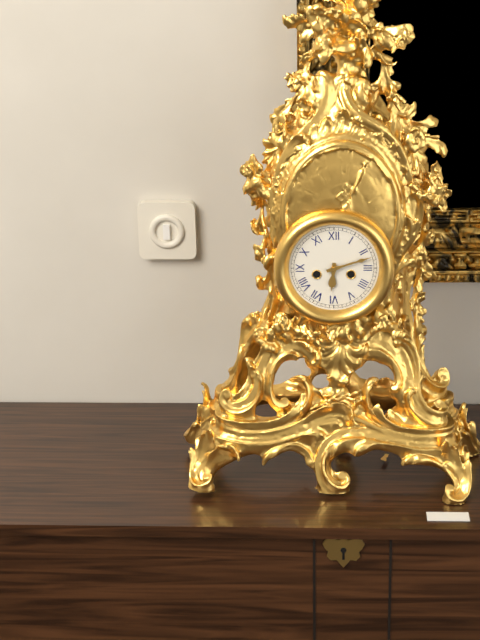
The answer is 6:12
